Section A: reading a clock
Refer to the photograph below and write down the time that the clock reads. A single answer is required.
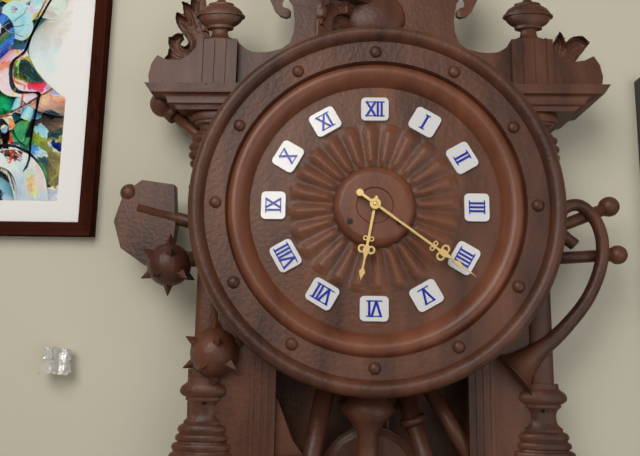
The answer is 6:21
